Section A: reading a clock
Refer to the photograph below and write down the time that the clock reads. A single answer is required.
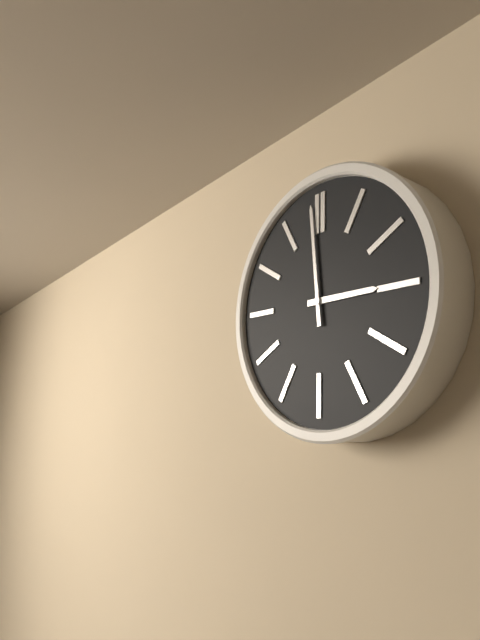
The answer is 2:59
